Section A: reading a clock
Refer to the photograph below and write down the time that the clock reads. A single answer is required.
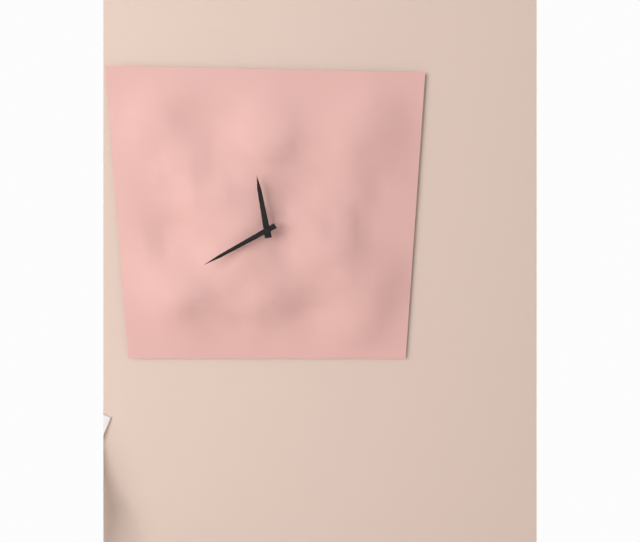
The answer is 11:40
